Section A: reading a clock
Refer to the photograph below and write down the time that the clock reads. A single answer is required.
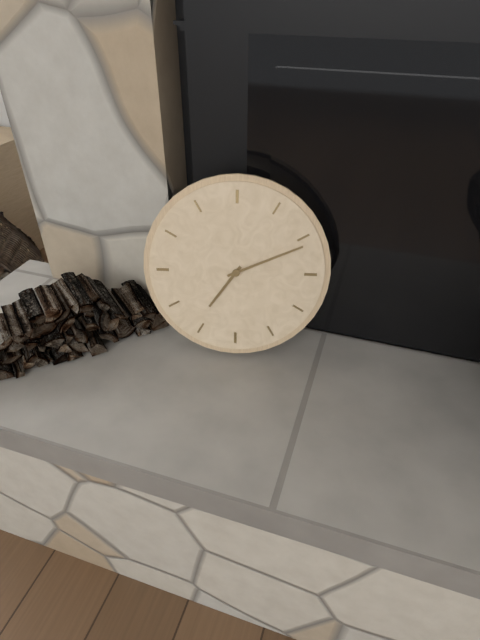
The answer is 7:11
